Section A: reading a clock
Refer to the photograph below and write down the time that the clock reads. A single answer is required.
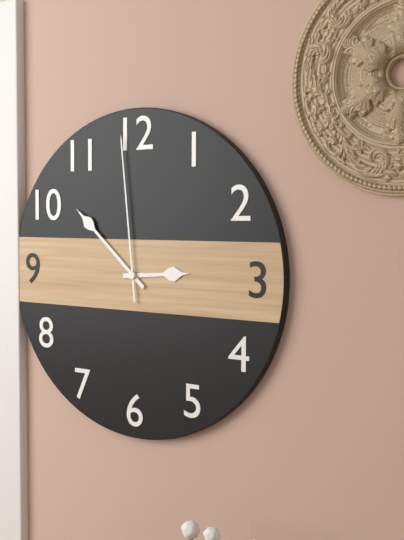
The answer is 2:52:59
